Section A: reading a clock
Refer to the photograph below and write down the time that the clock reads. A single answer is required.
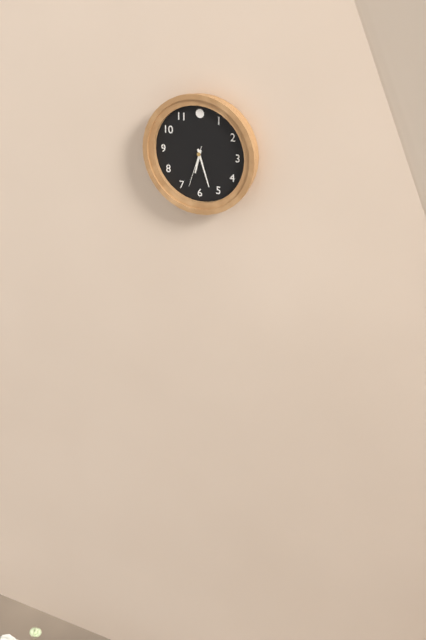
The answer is 6:27
